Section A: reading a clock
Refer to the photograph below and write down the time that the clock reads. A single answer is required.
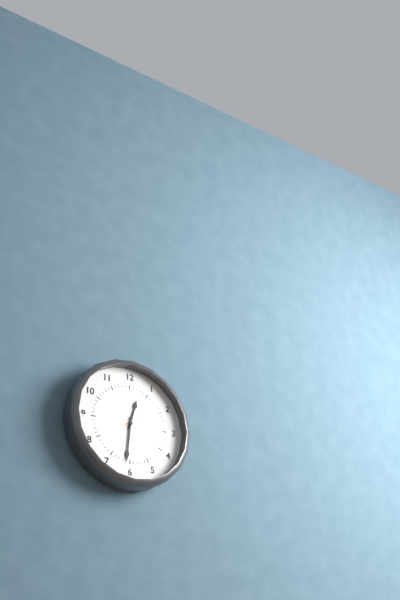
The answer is 12:31
